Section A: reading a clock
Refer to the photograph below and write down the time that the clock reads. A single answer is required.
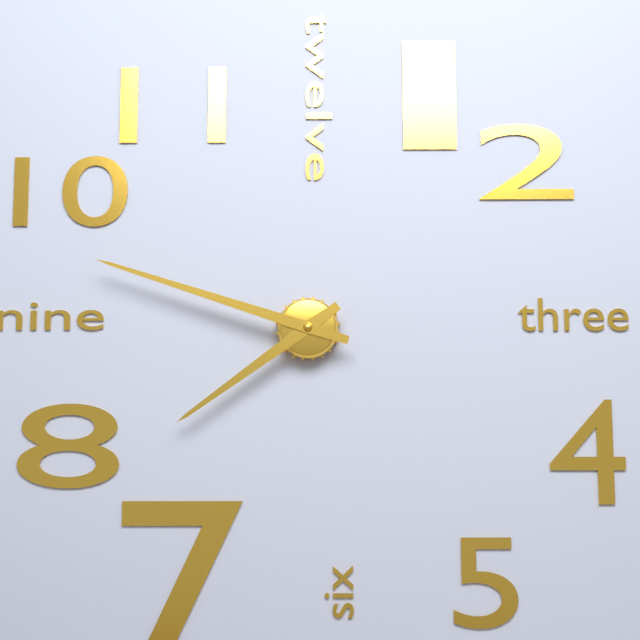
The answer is 7:48
